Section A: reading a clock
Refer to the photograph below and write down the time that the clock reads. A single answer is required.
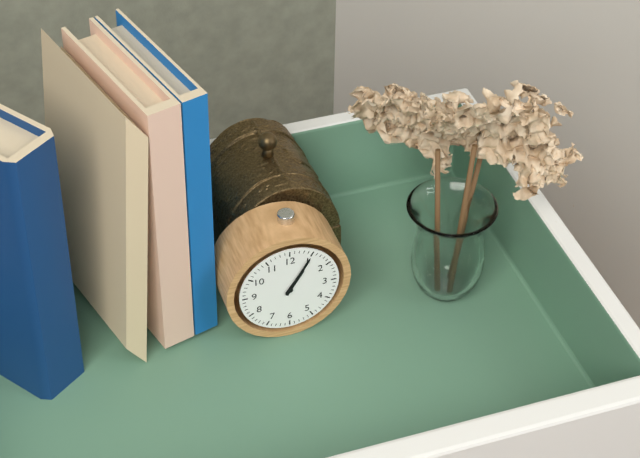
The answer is 1:05
